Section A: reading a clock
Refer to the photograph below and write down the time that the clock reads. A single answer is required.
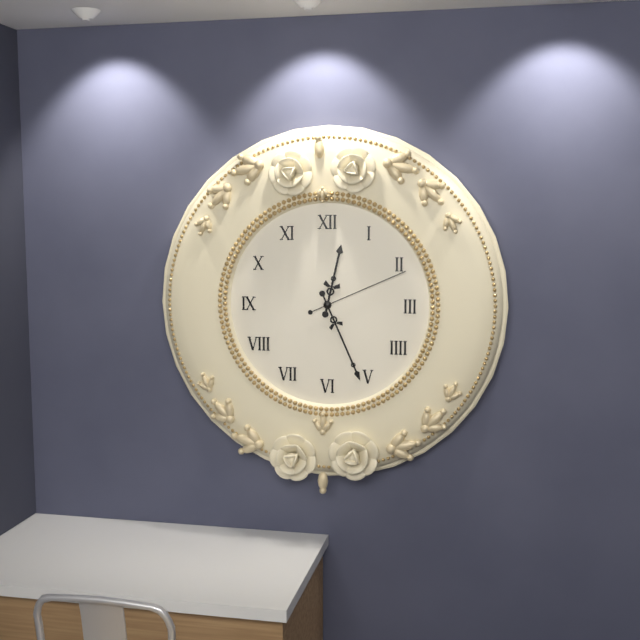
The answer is 12:26:11
